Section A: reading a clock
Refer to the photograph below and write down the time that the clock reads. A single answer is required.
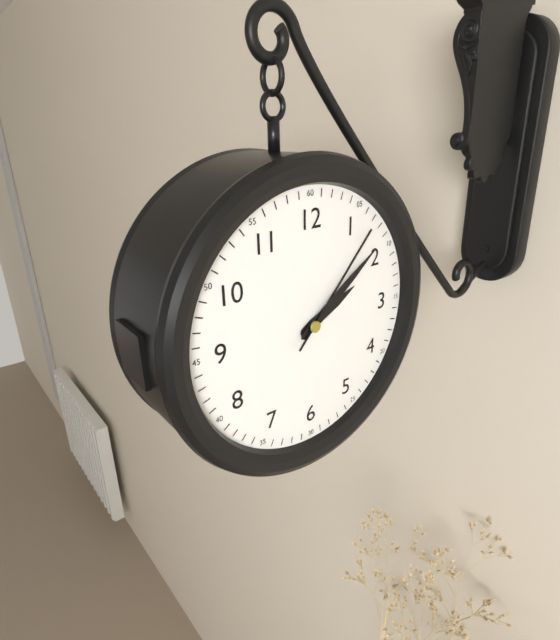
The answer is 2:09:07
